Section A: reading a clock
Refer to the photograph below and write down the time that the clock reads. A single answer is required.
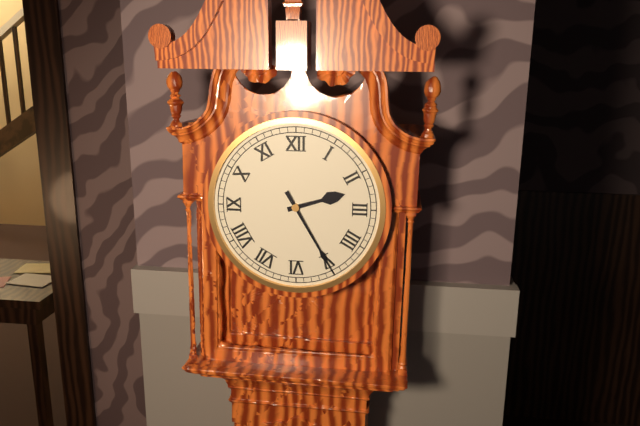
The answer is 2:25
